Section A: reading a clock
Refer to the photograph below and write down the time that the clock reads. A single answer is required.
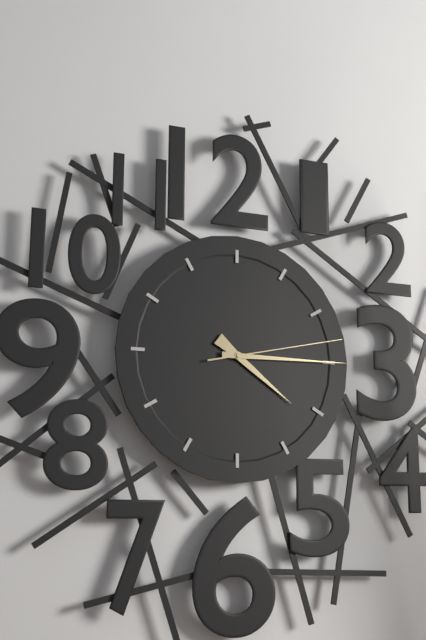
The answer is 4:15:13
